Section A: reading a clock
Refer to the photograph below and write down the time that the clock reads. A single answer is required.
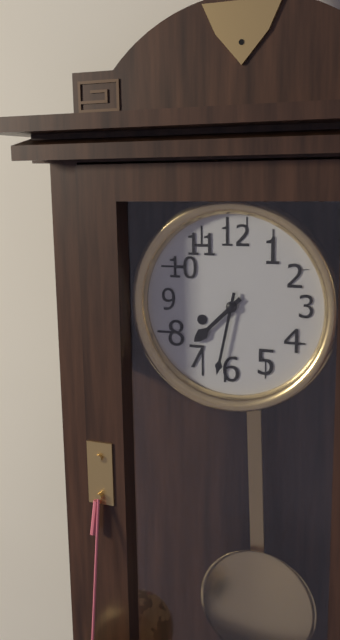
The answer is 7:32
